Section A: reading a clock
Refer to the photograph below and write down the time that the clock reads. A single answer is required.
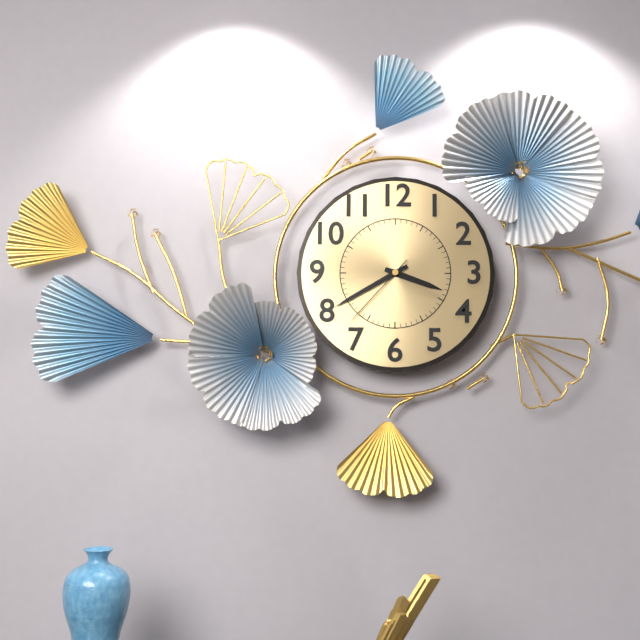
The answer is 3:40:37
